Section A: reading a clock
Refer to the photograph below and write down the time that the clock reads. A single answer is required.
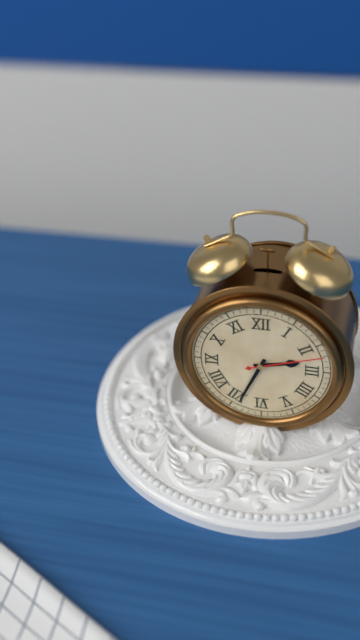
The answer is 2:34:12
